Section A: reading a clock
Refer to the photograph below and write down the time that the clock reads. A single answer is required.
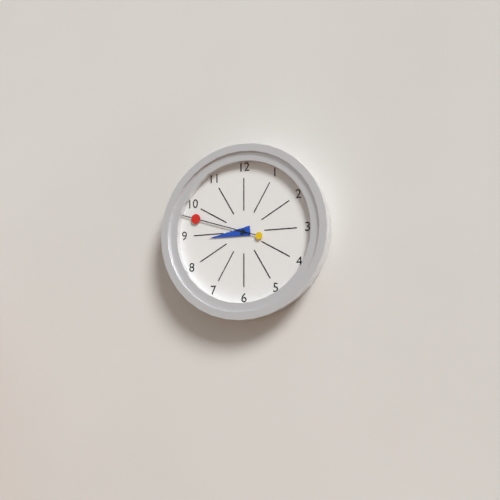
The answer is 8:48
